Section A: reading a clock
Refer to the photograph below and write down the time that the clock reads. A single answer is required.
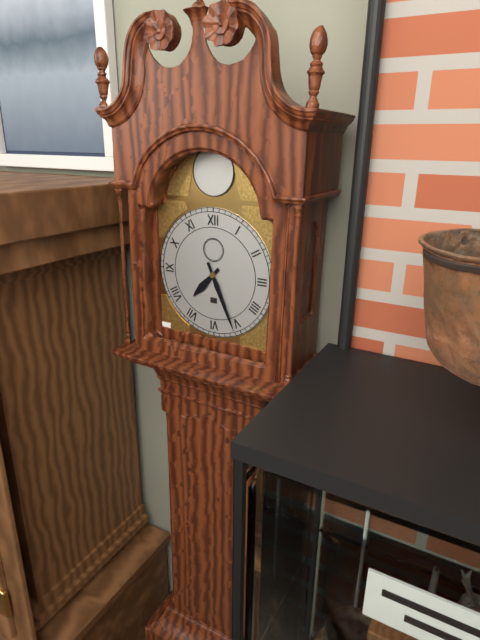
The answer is 7:26
